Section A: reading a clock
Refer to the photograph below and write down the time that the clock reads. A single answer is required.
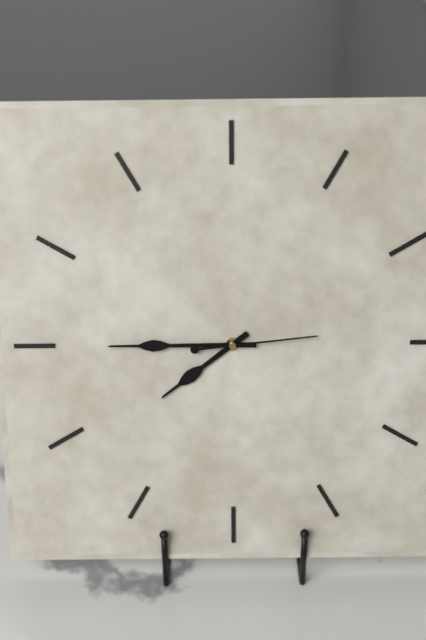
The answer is 7:45:14
